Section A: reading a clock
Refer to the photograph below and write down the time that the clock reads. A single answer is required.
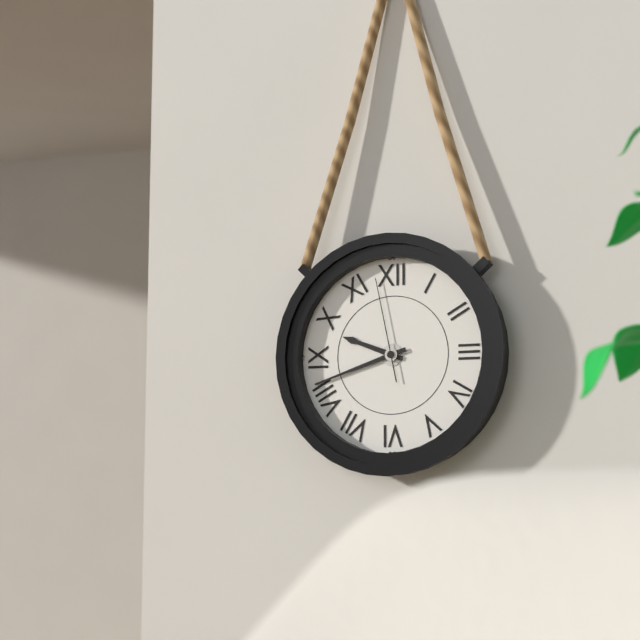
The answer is 9:42:58
